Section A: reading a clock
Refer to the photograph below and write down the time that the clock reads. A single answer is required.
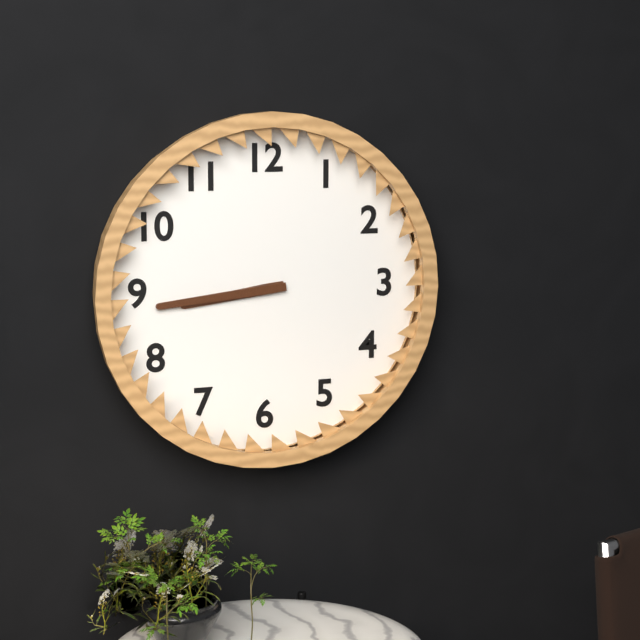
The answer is 8:44
